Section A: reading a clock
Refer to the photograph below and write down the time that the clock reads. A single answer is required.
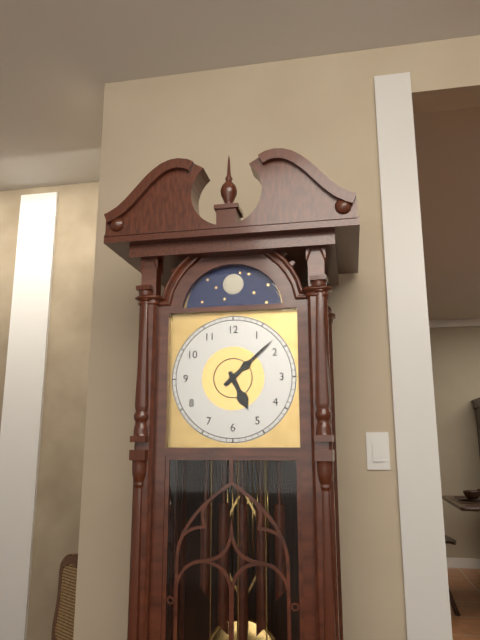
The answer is 5:08
